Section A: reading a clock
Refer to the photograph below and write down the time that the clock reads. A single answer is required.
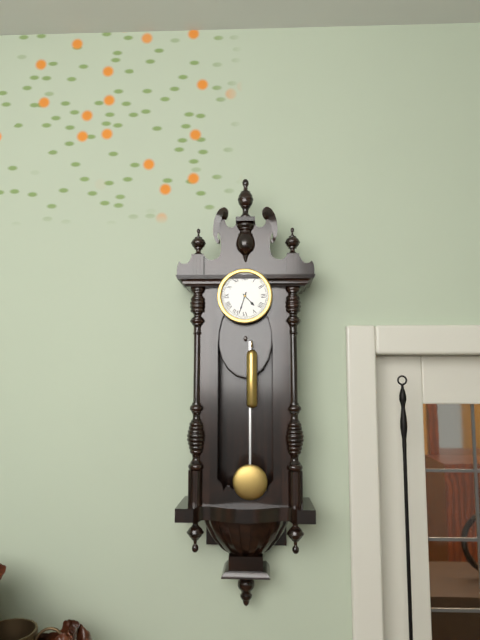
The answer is 4:33
